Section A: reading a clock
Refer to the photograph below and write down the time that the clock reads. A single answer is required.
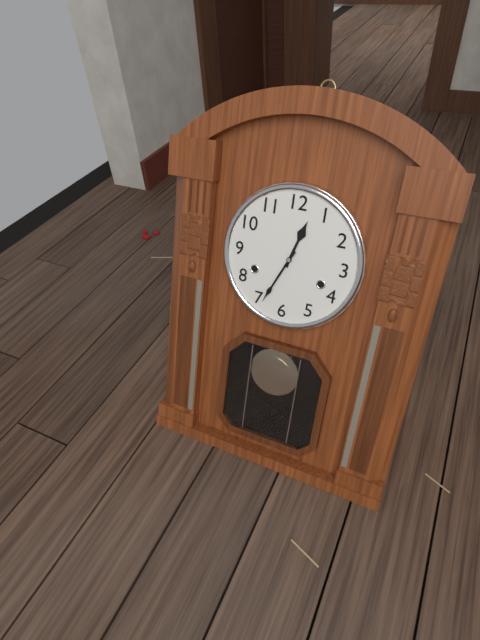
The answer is 12:34
